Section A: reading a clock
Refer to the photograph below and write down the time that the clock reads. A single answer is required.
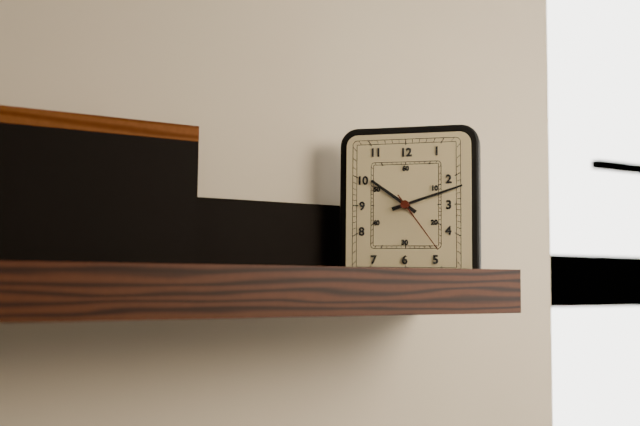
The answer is 10:12:24
